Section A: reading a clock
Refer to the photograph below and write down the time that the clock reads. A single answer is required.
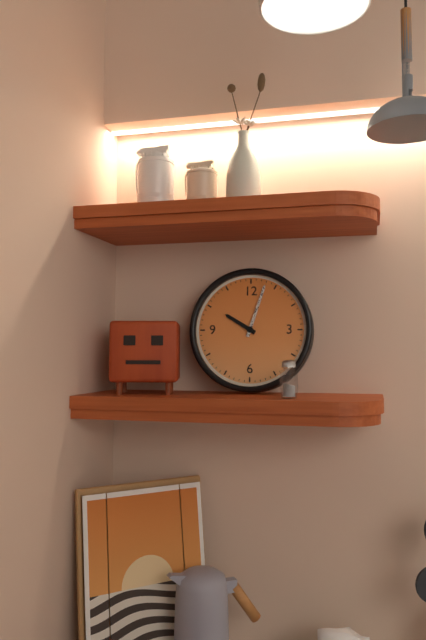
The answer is 10:03
